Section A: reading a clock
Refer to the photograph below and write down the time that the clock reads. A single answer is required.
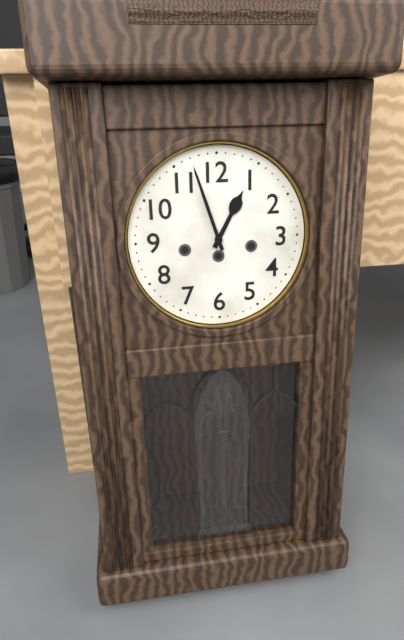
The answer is 12:57
